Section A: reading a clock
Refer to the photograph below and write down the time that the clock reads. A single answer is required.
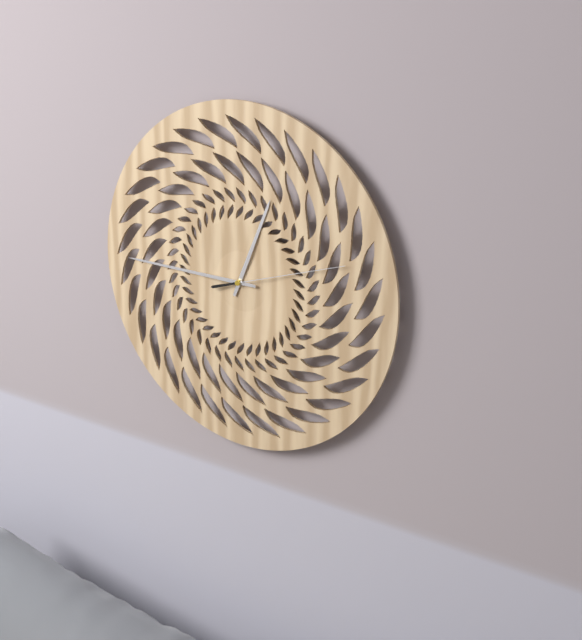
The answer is 12:45:12
